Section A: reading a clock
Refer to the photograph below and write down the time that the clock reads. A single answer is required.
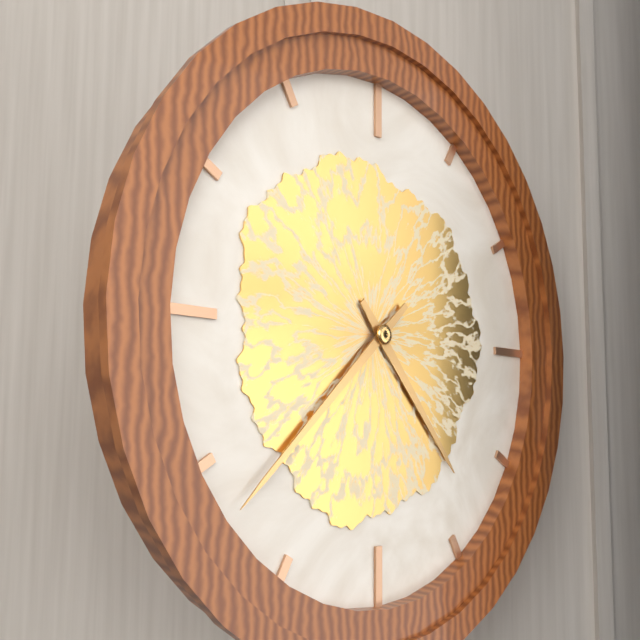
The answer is 4:38
